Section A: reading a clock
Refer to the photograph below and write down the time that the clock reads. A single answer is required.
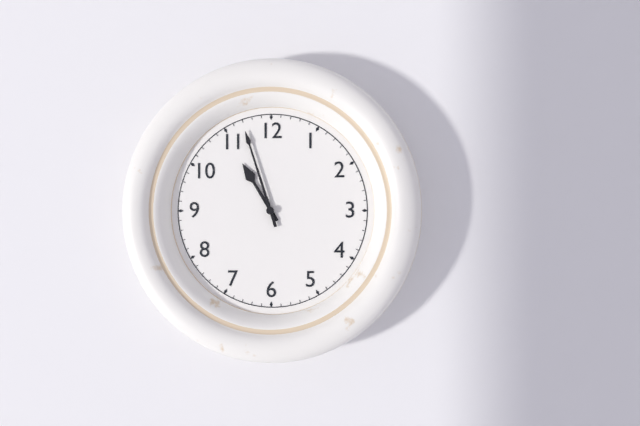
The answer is 10:57
